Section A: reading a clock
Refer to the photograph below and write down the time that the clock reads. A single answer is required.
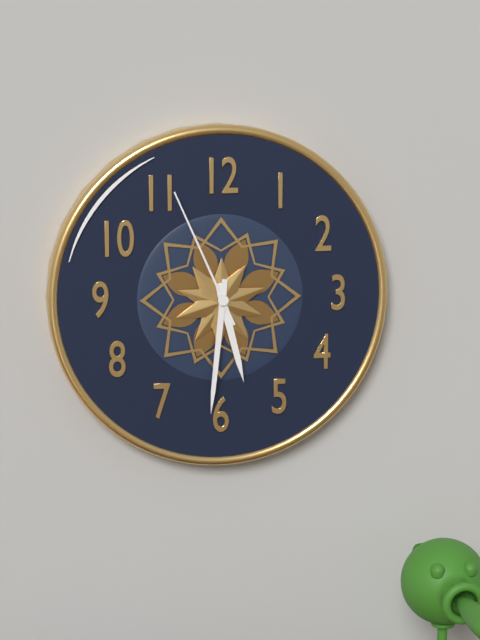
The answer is 5:31:56
